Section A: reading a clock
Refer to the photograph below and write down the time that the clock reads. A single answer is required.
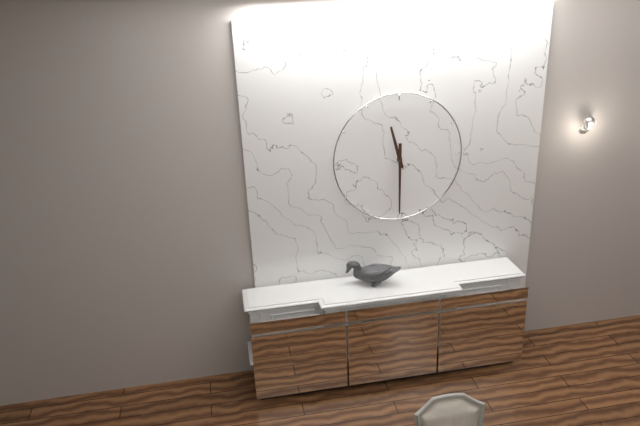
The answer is 11:30
